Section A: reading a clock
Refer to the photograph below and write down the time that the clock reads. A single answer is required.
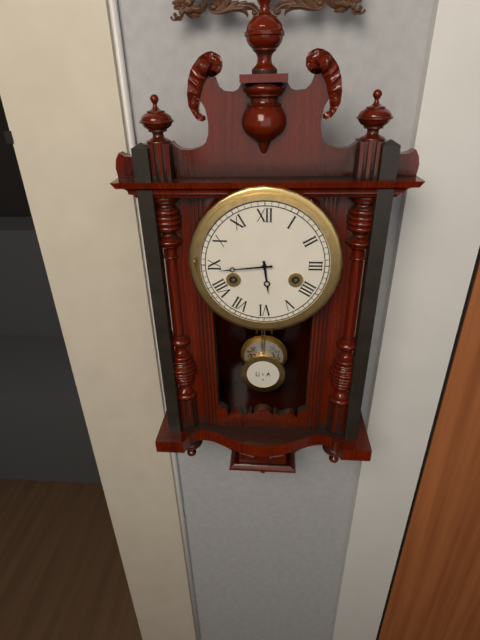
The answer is 5:44
